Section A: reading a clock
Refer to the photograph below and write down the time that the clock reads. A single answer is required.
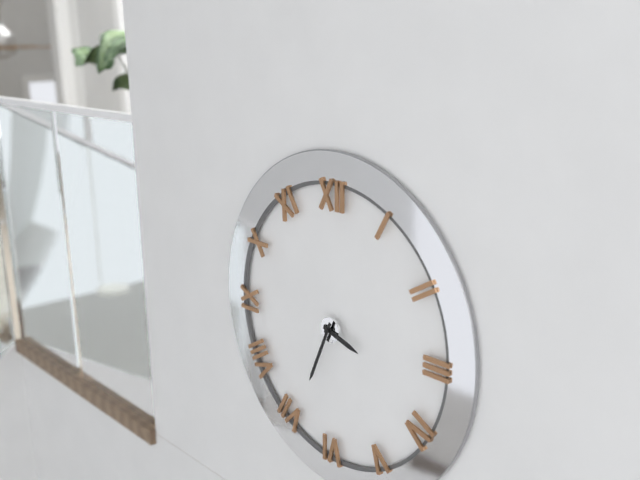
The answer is 3:34
